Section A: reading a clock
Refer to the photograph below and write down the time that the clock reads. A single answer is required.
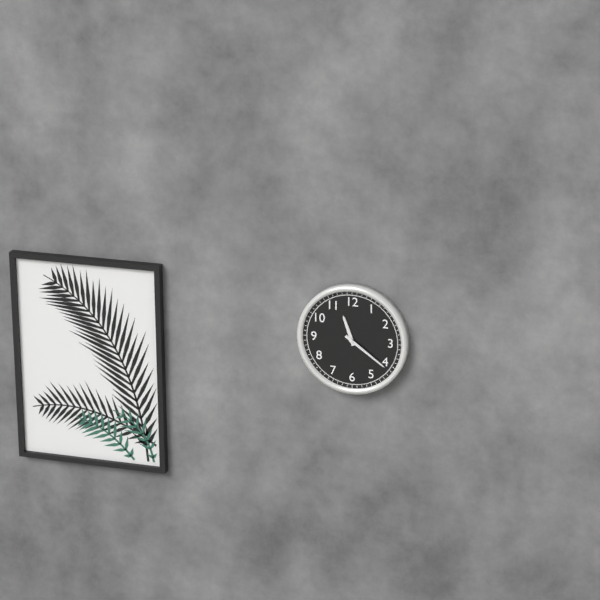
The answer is 11:21
